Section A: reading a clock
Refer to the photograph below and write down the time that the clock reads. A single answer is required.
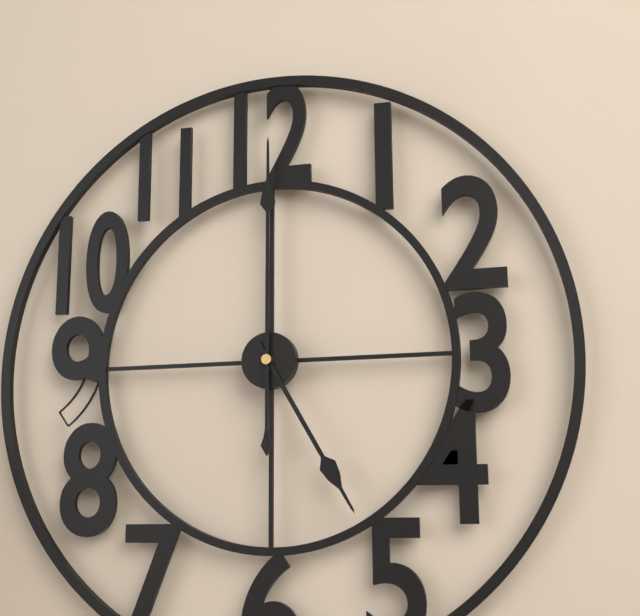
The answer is 5:00
